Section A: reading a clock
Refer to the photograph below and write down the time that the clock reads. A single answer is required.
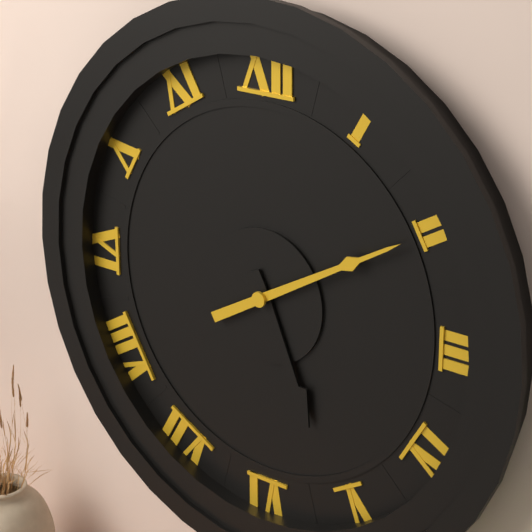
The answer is 5:10
